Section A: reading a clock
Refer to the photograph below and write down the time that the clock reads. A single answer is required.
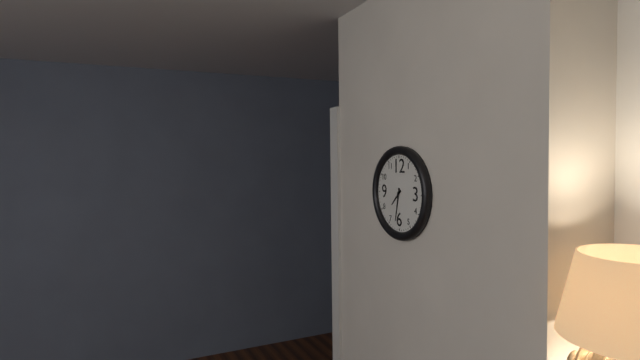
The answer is 7:32
